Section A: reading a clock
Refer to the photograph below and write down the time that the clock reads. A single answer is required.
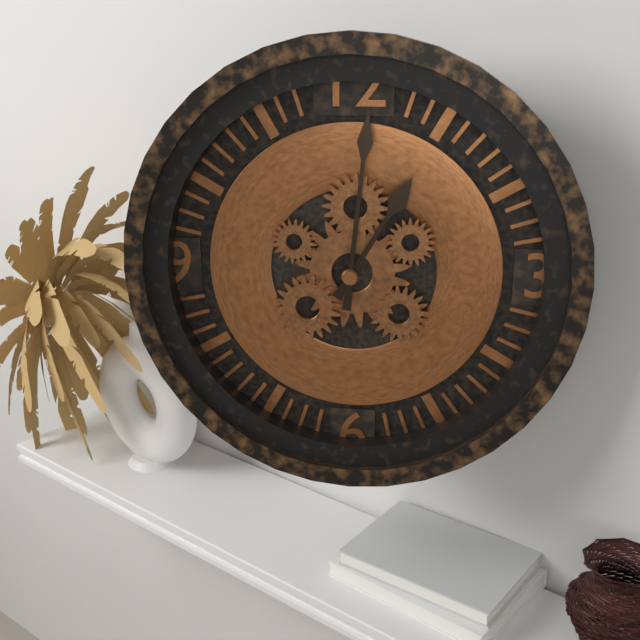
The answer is 1:01
